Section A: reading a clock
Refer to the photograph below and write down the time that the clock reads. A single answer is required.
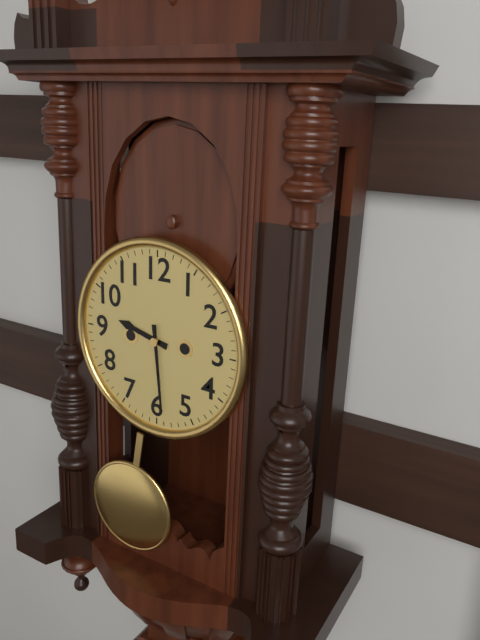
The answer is 9:29
